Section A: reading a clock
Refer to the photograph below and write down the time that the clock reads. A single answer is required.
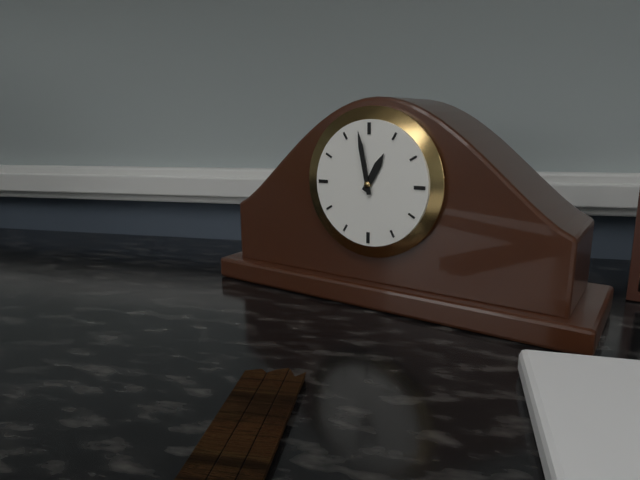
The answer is 12:58
